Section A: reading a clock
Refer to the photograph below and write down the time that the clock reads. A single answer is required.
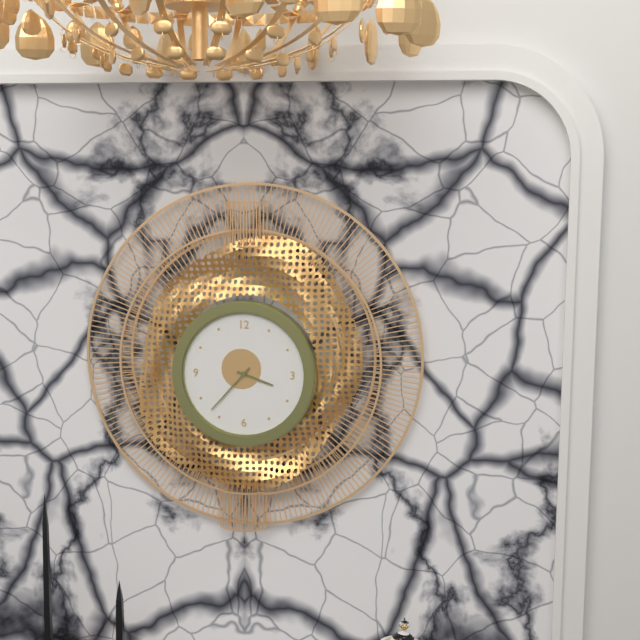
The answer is 3:37
